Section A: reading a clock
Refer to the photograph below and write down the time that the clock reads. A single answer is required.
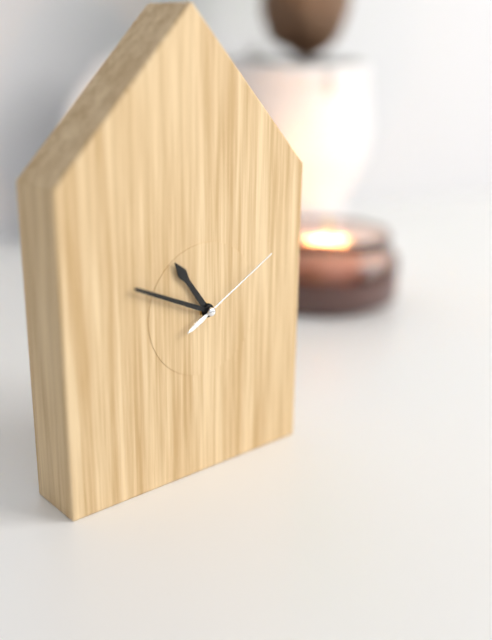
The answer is 10:49:10
